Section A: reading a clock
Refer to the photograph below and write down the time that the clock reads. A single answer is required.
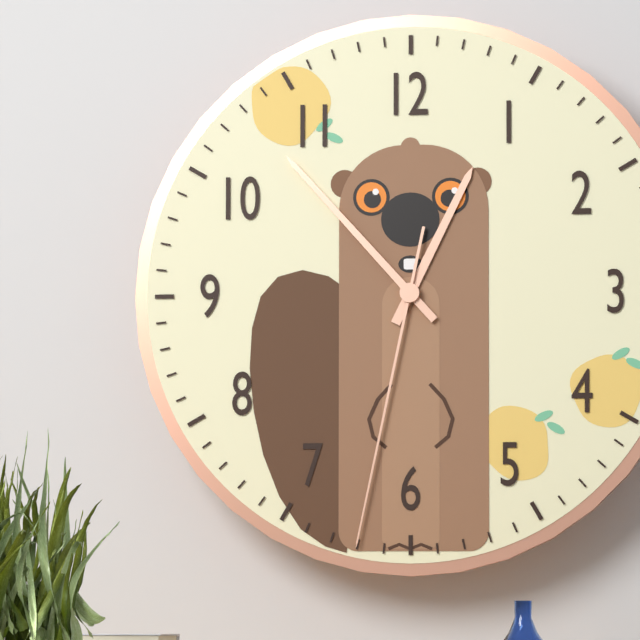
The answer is 12:53:32
